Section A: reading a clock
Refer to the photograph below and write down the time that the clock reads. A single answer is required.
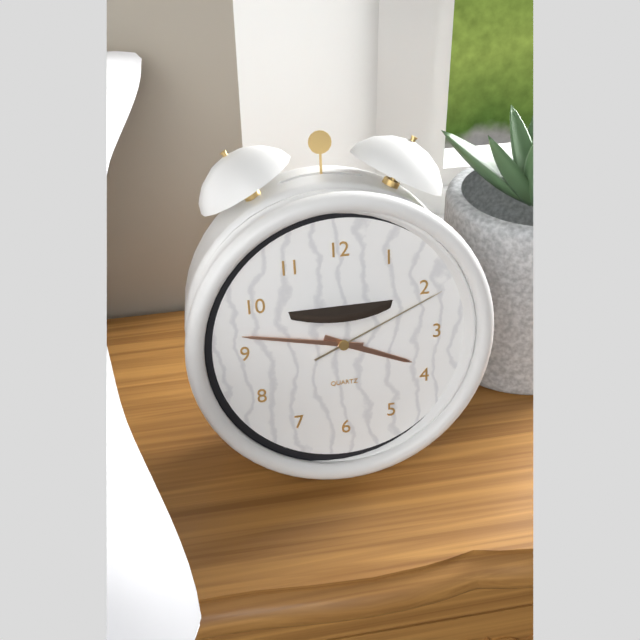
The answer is 3:47:11
